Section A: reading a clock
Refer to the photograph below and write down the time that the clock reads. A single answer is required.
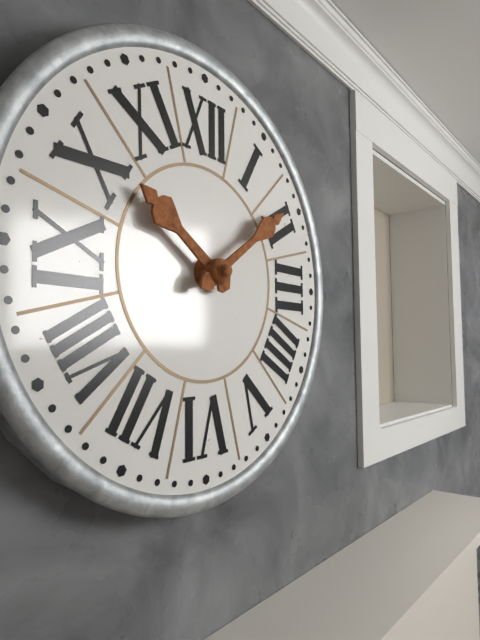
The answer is 10:09
